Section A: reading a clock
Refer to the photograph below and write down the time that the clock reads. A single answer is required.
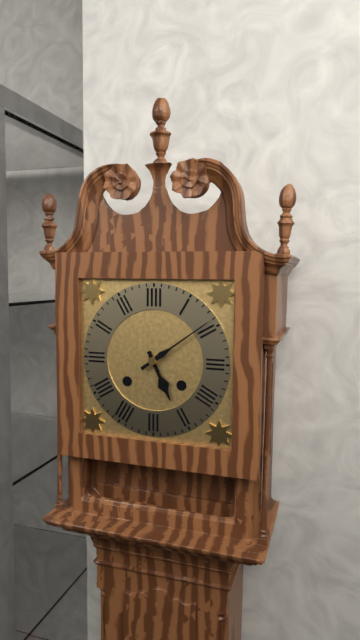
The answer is 5:09
